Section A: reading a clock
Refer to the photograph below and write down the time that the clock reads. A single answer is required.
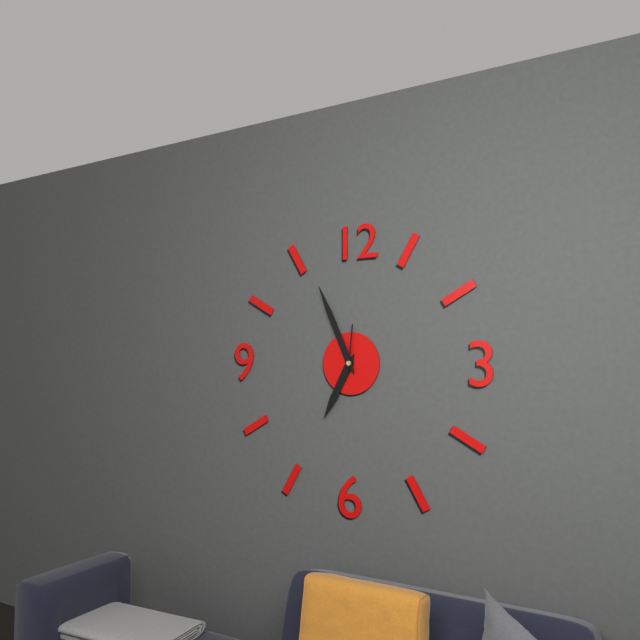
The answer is 6:56
